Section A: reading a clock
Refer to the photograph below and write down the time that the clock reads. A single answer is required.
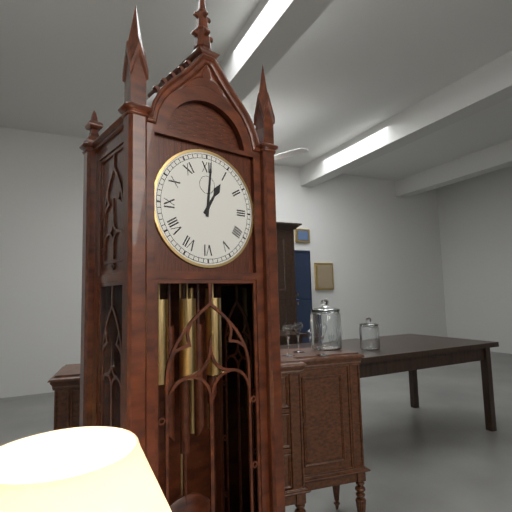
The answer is 1:01
